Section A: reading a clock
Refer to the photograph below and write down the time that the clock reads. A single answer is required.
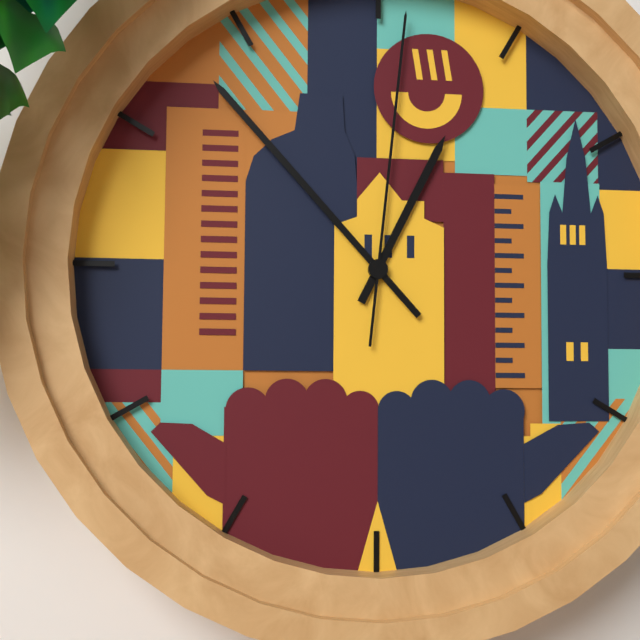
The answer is 12:53:01
